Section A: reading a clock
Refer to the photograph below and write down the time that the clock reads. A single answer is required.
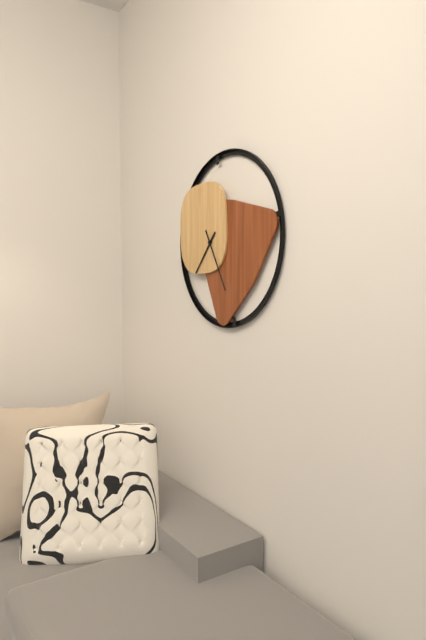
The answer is 7:25
